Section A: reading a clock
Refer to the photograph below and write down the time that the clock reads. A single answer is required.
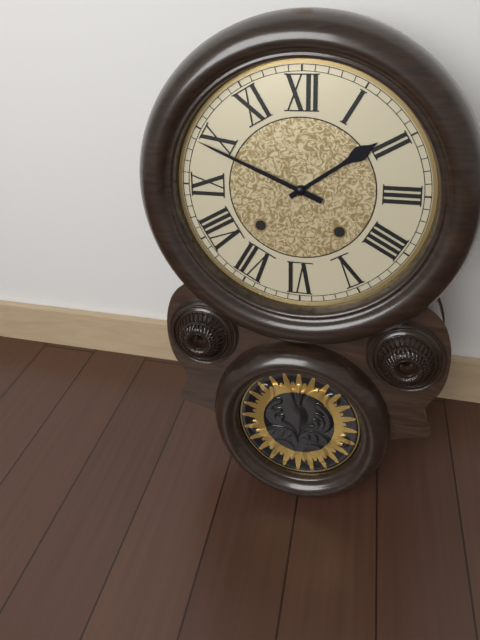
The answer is 1:49
